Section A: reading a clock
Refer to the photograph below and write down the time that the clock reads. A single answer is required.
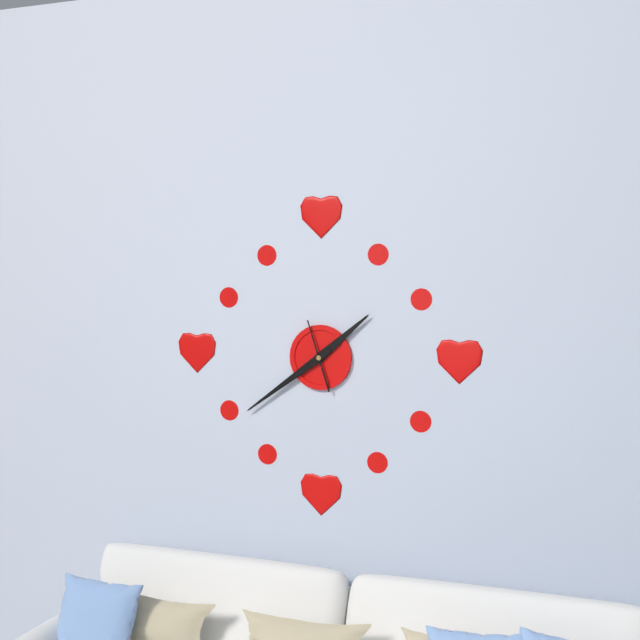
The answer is 1:39
